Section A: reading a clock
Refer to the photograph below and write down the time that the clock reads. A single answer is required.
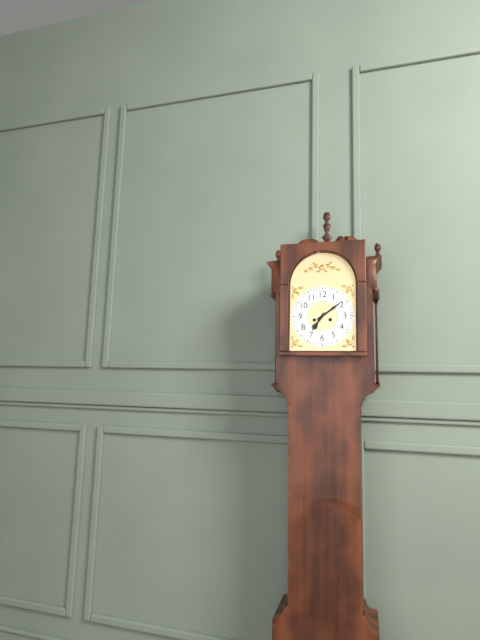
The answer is 7:09
